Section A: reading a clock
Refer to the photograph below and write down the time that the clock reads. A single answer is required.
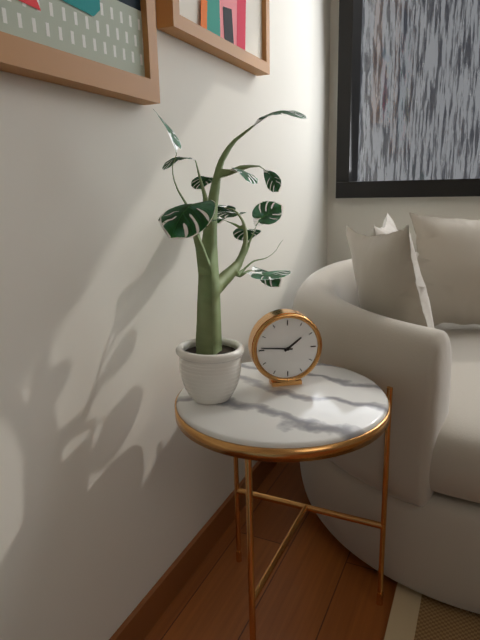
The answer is 1:46
